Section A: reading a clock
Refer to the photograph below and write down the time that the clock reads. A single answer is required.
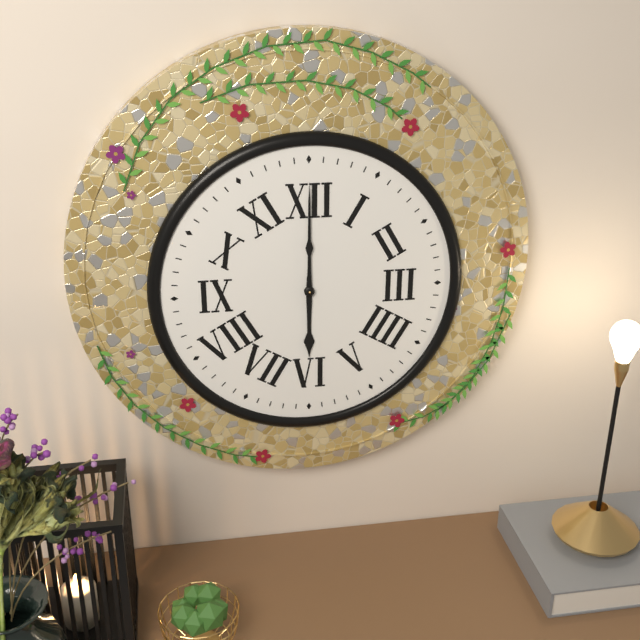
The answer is 6:00
